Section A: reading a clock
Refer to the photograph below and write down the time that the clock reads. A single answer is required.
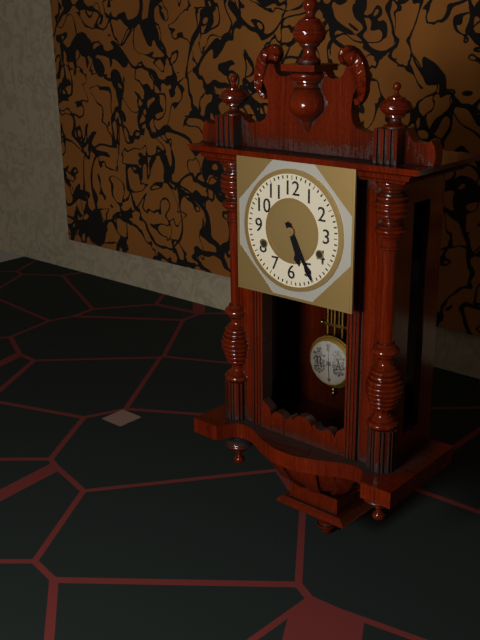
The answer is 5:25
